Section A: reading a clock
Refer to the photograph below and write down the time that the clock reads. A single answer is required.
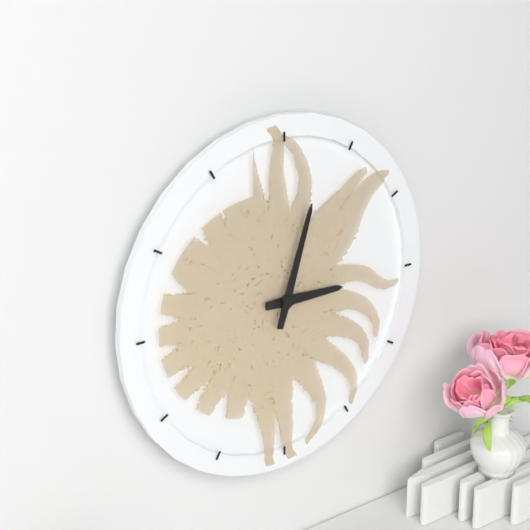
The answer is 3:03
